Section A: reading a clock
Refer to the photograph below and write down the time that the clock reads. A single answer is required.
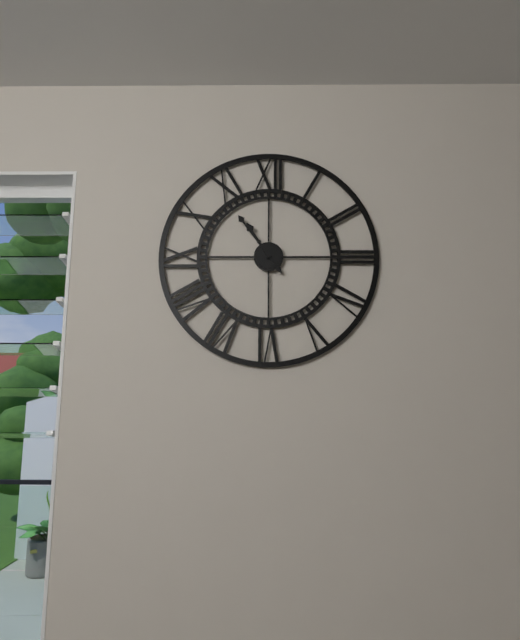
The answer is 10:54
